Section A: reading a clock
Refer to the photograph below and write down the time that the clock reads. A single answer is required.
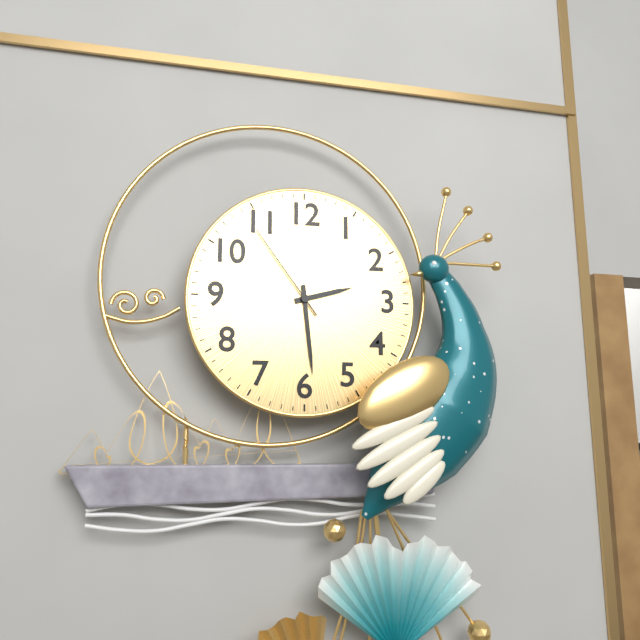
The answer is 2:29:54
